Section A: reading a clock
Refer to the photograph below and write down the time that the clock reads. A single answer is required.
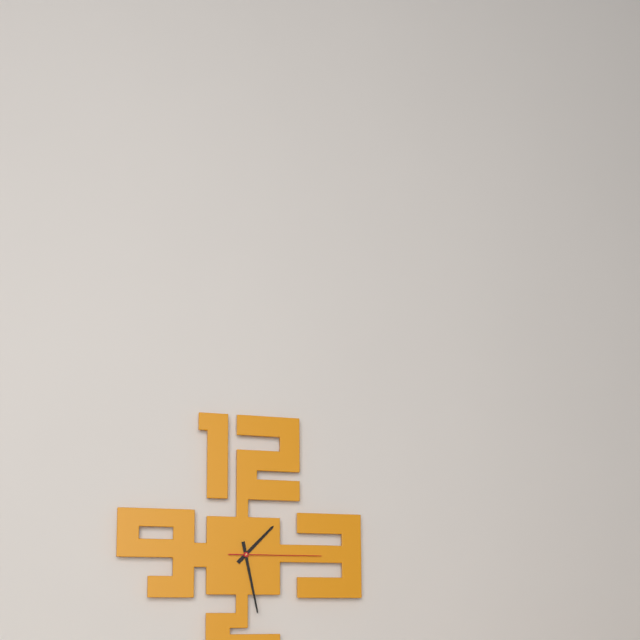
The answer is 1:28:15
